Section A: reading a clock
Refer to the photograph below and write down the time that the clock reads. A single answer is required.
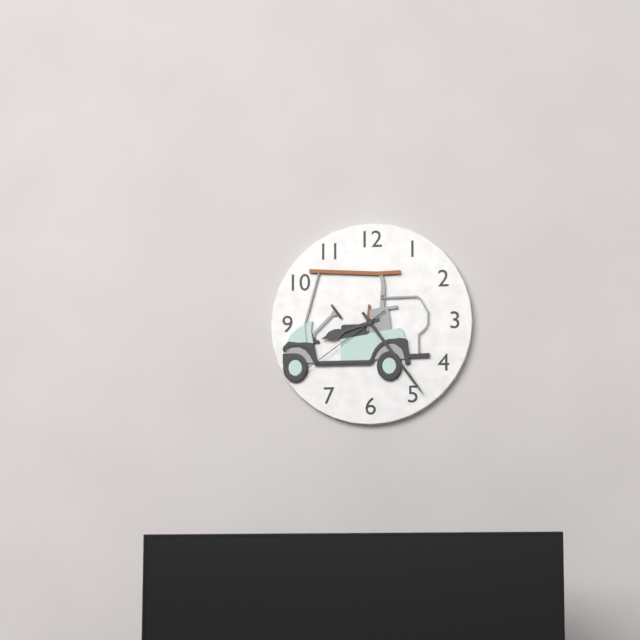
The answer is 8:24:39
